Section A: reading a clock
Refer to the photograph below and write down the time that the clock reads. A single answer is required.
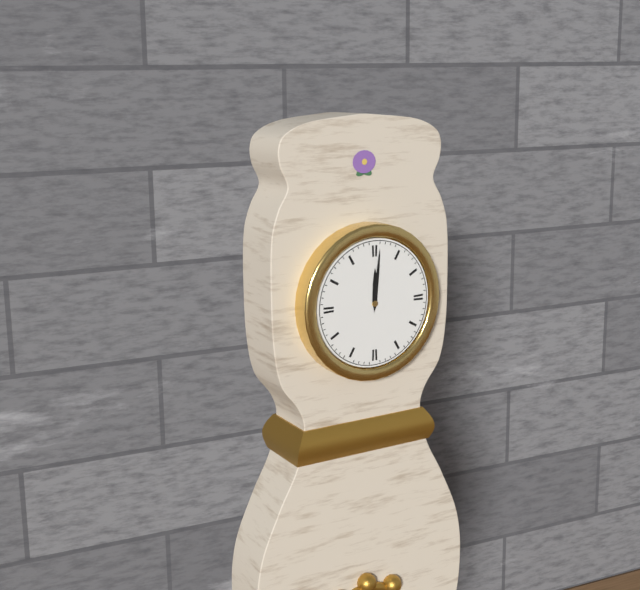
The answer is 12:01
